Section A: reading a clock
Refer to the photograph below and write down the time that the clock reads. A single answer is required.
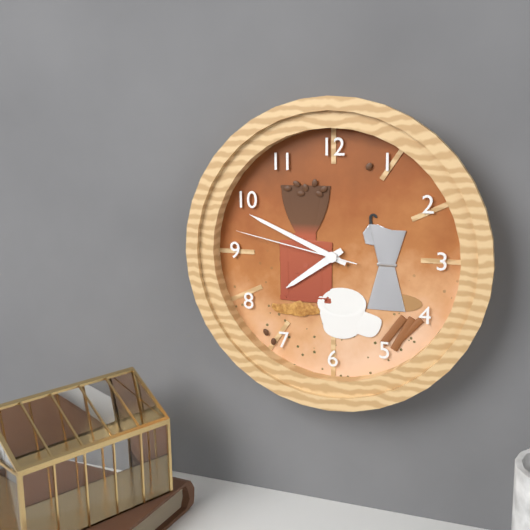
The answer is 7:49:47
